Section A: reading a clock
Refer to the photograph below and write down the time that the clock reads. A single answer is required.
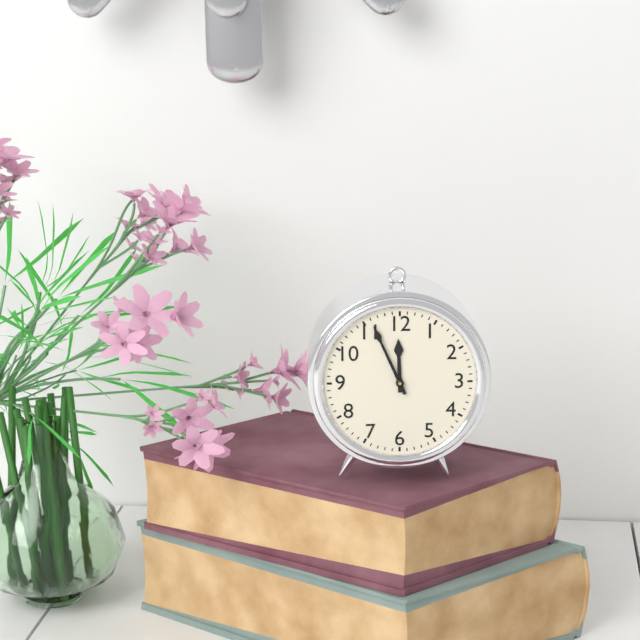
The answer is 11:56
